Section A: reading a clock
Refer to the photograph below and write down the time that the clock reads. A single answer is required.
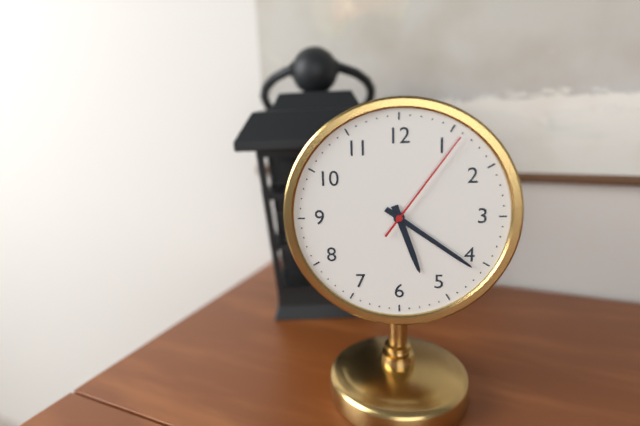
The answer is 5:21:06
